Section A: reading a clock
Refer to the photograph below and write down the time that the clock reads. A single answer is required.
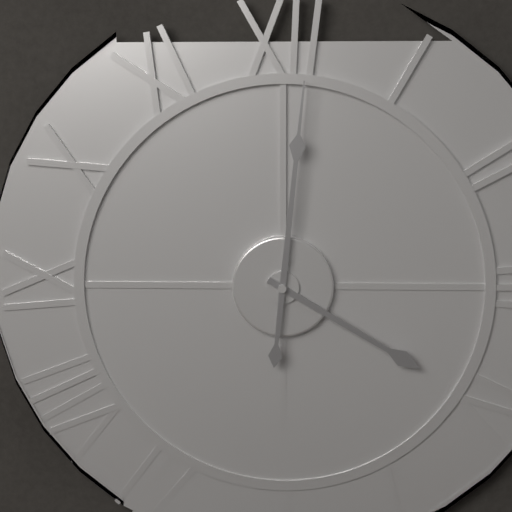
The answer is 4:01
